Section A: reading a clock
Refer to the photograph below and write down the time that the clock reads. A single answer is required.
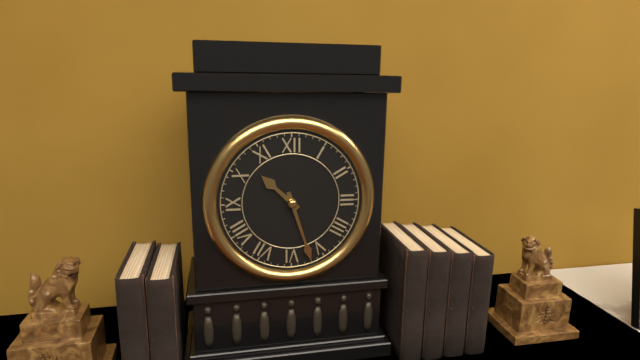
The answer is 10:27
